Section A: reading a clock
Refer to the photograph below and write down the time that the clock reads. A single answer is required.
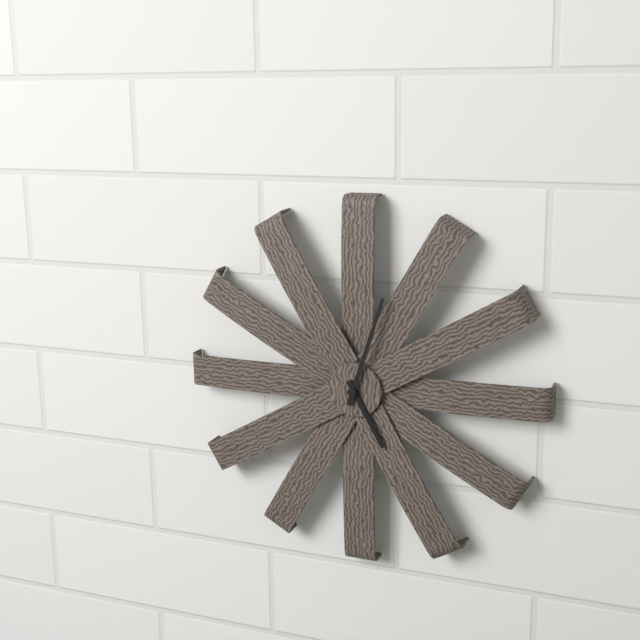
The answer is 5:03
